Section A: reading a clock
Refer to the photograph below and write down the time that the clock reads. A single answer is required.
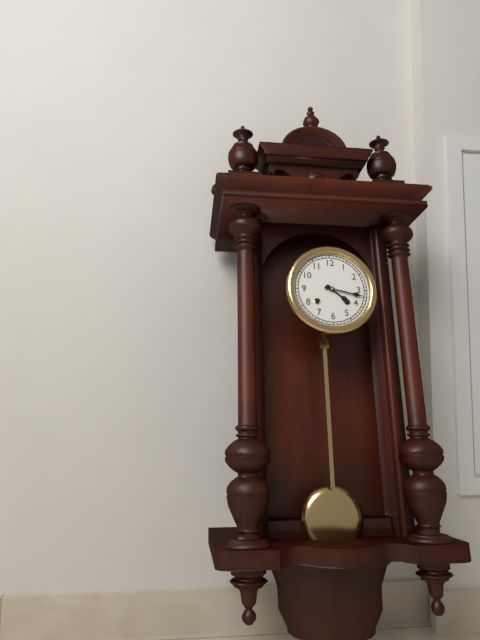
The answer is 4:17
